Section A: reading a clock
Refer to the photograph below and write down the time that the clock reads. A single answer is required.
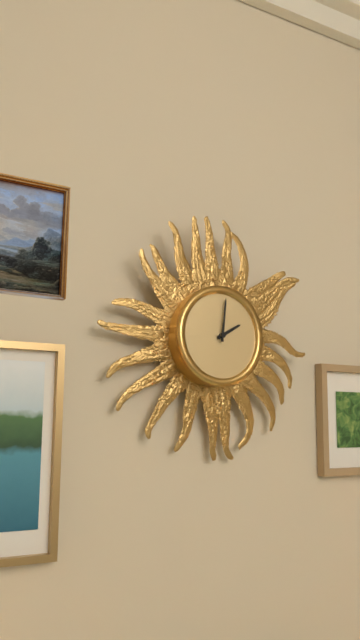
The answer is 2:01
